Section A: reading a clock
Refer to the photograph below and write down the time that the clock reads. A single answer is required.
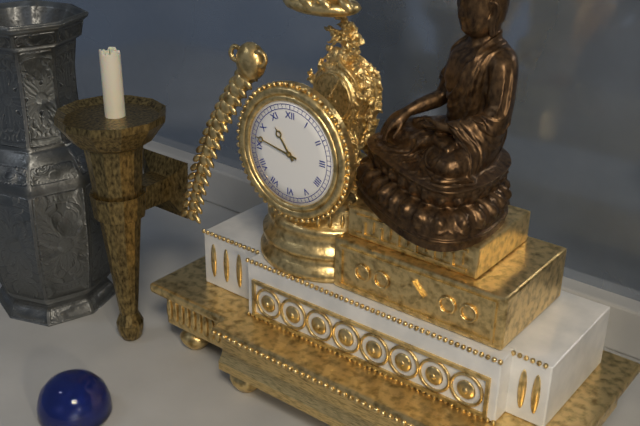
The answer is 10:47
